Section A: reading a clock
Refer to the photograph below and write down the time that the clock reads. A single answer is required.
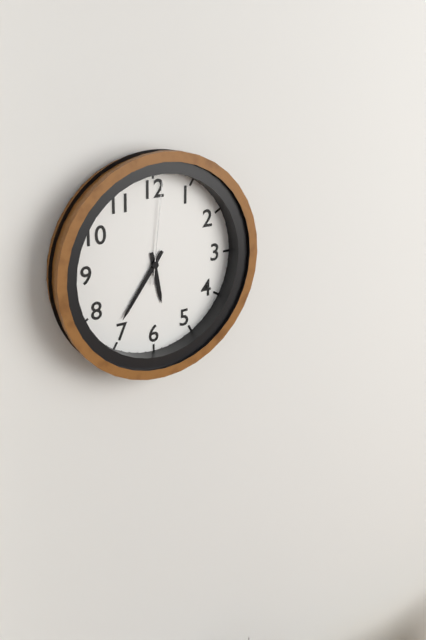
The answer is 5:36:01
